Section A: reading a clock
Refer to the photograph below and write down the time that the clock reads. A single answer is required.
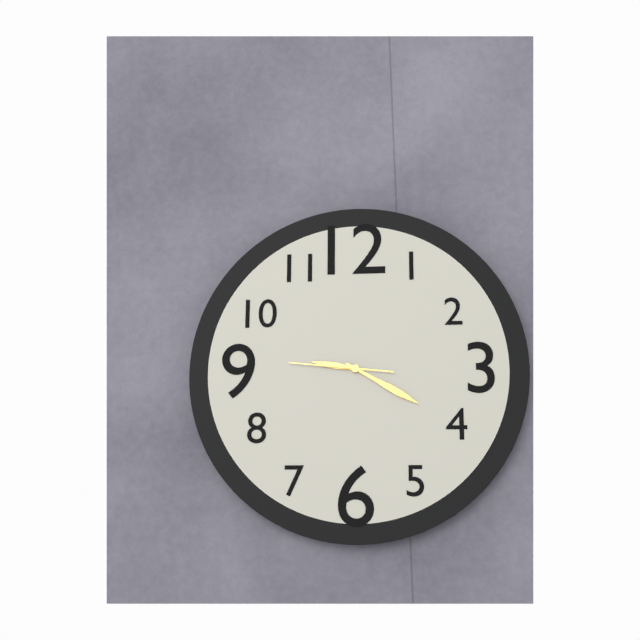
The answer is 9:20:46
